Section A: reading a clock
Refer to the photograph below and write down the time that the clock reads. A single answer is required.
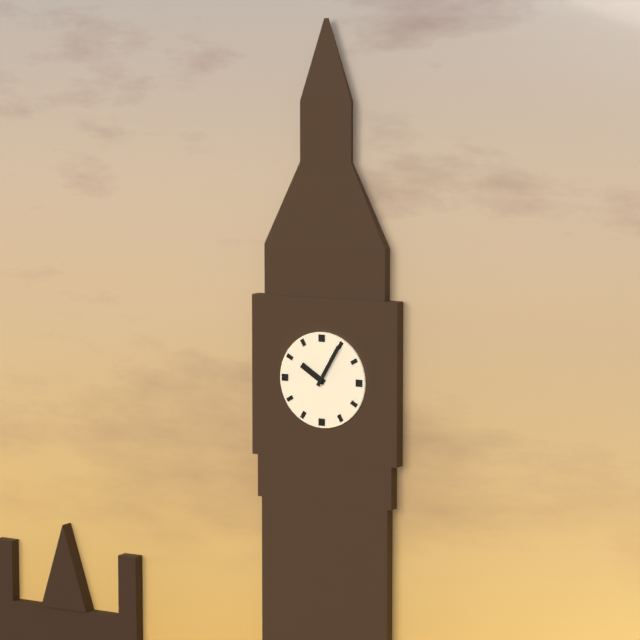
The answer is 10:05
